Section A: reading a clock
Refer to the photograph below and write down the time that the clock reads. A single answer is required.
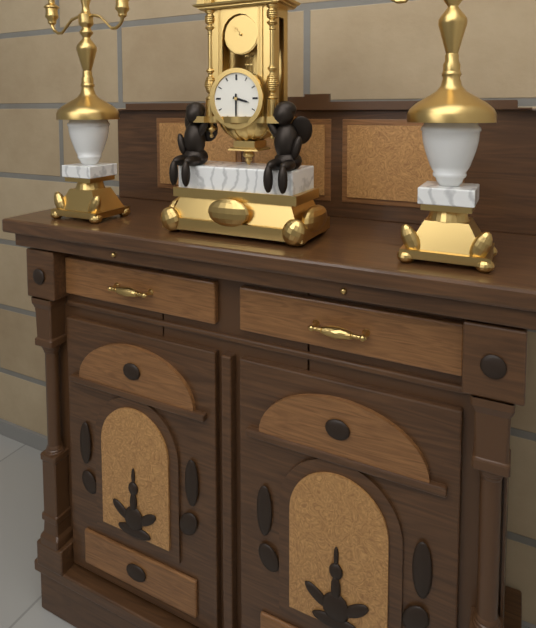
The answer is 3:30
